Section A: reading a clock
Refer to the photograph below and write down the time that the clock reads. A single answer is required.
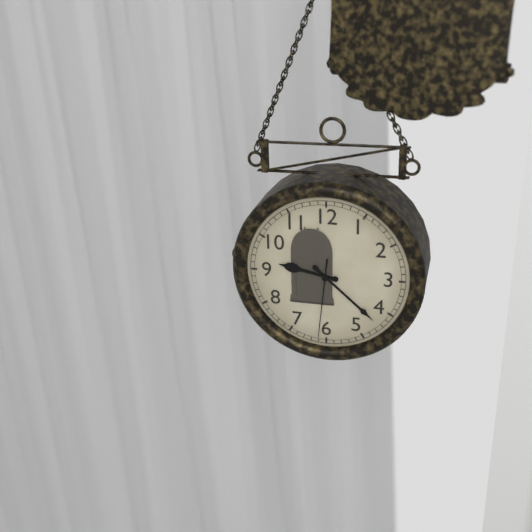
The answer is 9:22:31
